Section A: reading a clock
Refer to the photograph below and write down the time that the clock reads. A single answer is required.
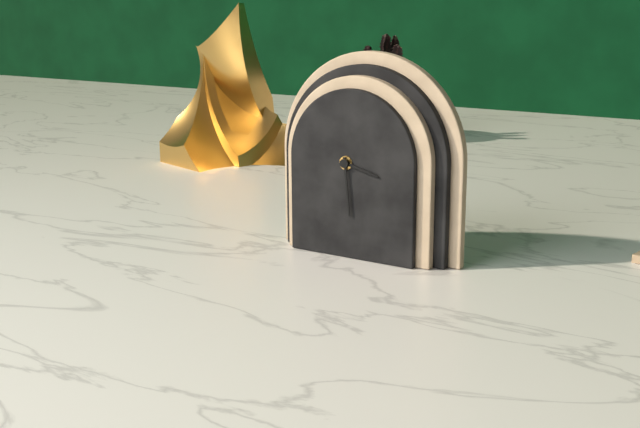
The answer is 3:29
